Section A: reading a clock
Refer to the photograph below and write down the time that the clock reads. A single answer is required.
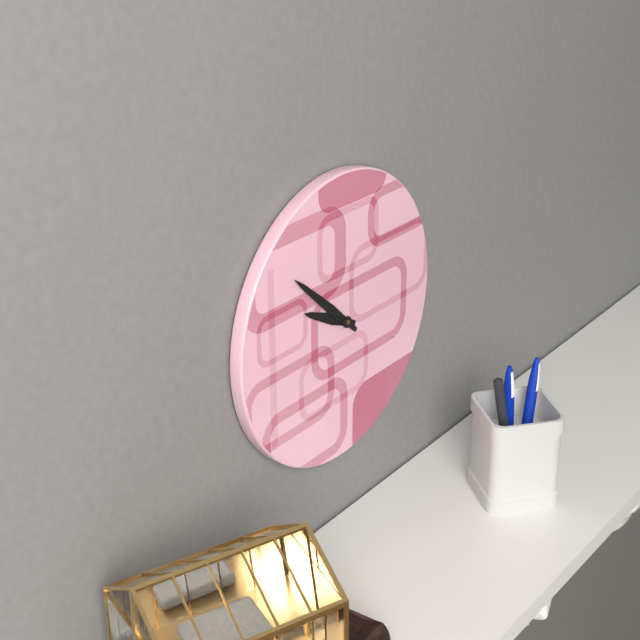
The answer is 9:52
